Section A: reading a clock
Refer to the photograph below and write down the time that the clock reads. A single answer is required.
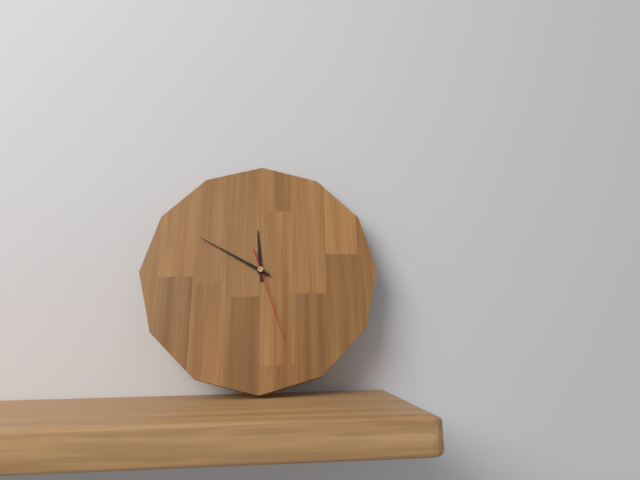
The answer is 11:50:27
